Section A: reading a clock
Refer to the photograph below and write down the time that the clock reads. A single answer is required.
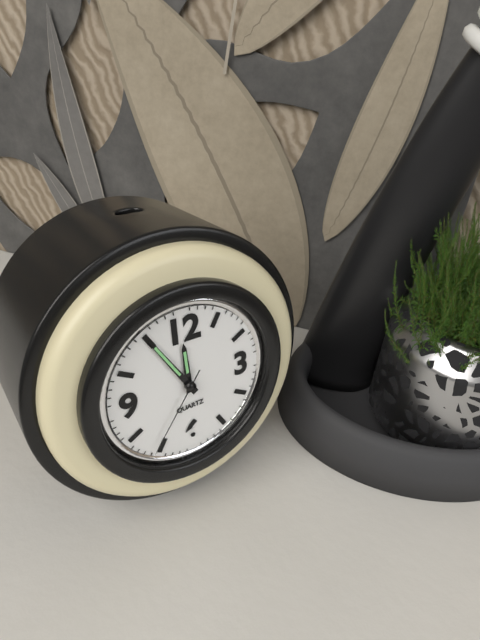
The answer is 11:55:36
